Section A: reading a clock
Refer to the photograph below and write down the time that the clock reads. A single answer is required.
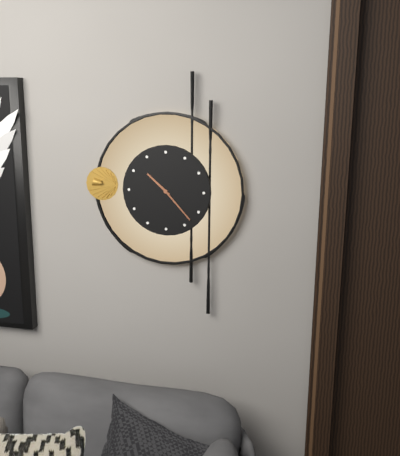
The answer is 10:23
